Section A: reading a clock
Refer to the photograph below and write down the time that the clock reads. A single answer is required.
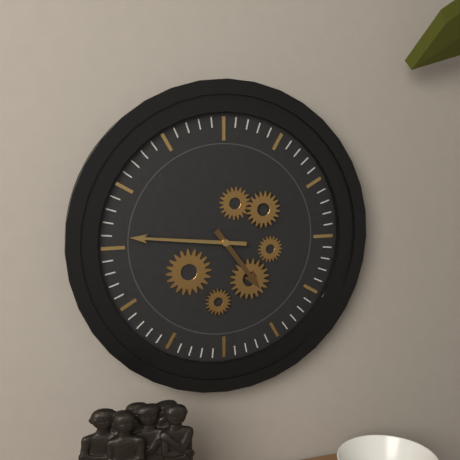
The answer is 4:46
